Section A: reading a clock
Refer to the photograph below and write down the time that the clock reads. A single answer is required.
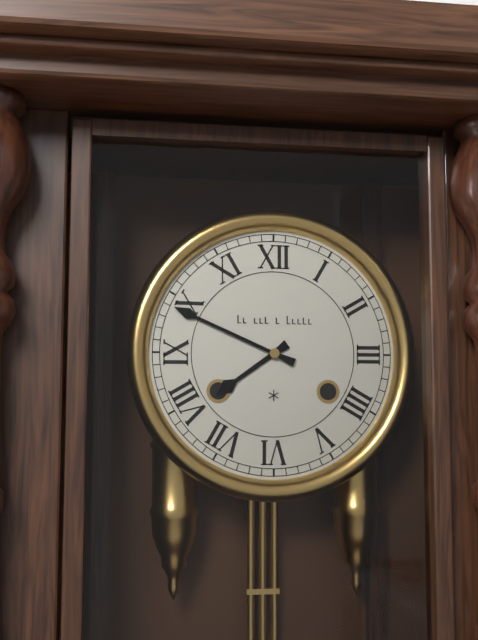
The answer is 7:49
